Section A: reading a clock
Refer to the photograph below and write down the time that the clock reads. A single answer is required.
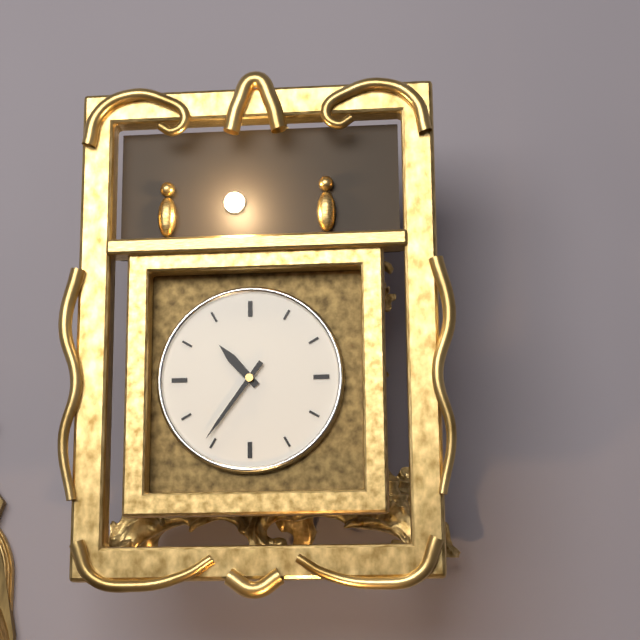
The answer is 10:36
